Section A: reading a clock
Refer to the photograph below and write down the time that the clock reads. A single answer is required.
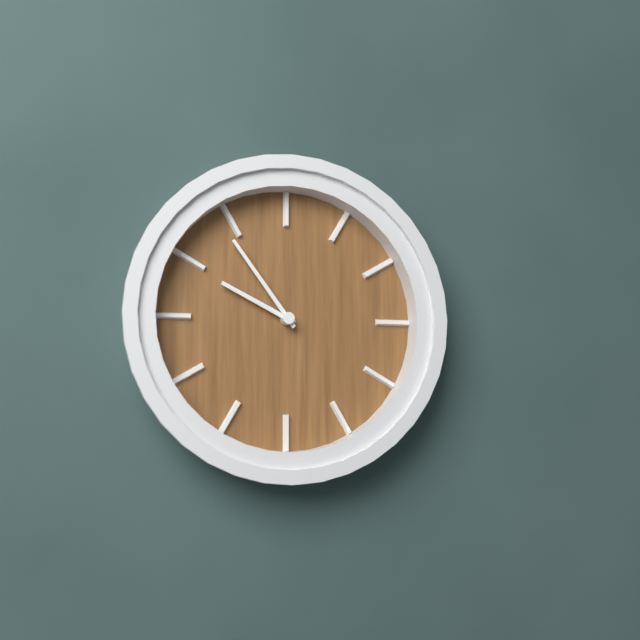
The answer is 9:54
